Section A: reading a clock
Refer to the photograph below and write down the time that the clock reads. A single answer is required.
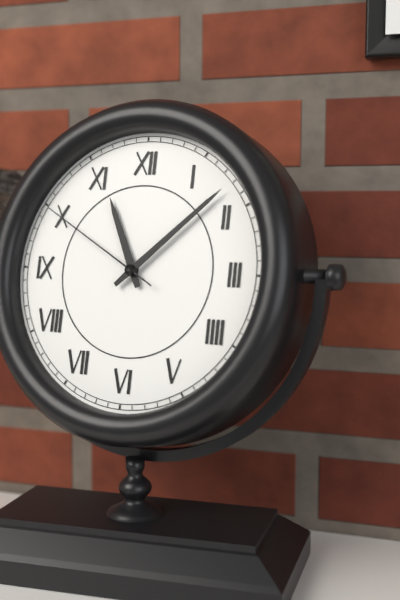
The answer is 11:08:50
